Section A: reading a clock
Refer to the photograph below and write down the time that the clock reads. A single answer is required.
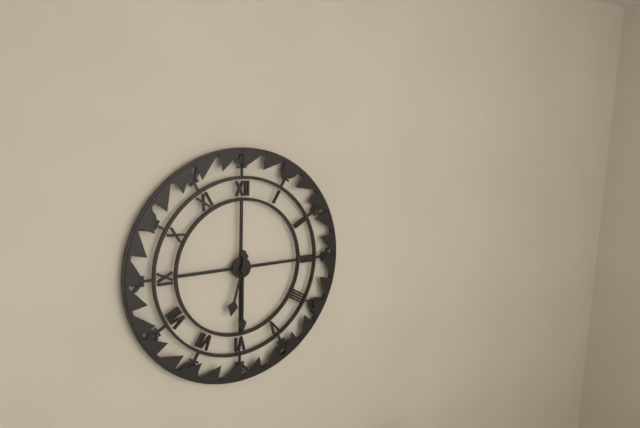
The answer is 6:30
